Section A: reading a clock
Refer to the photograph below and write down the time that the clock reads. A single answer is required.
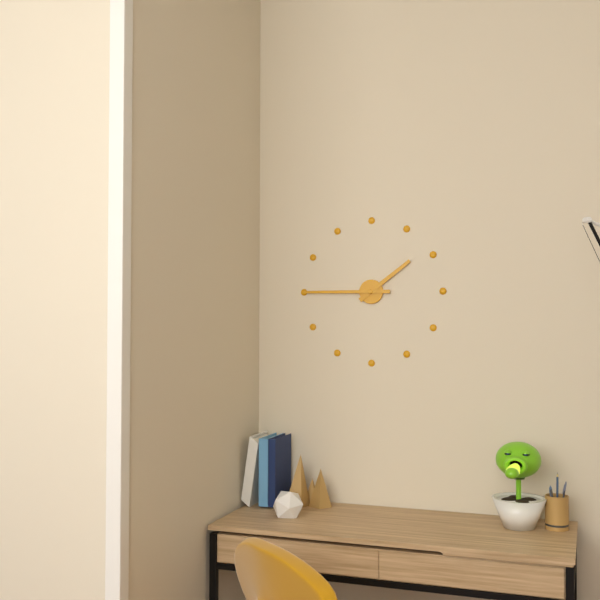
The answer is 1:45
